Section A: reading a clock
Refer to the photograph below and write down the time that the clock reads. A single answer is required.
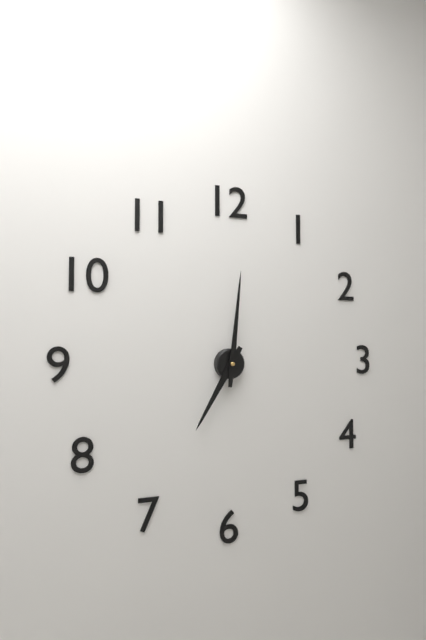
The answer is 7:01
